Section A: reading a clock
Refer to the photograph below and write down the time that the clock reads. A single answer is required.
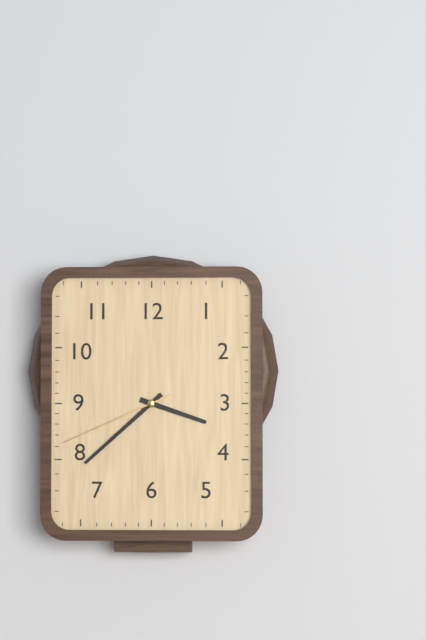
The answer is 3:38:41
